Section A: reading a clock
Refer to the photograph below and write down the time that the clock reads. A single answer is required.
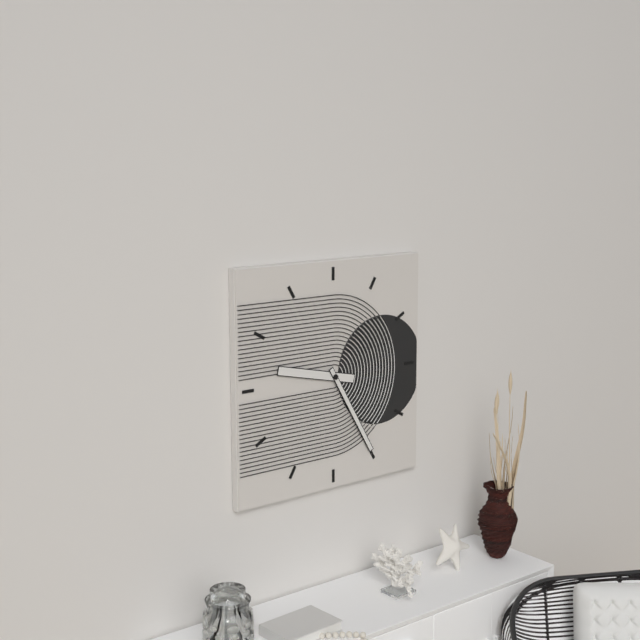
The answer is 9:25
